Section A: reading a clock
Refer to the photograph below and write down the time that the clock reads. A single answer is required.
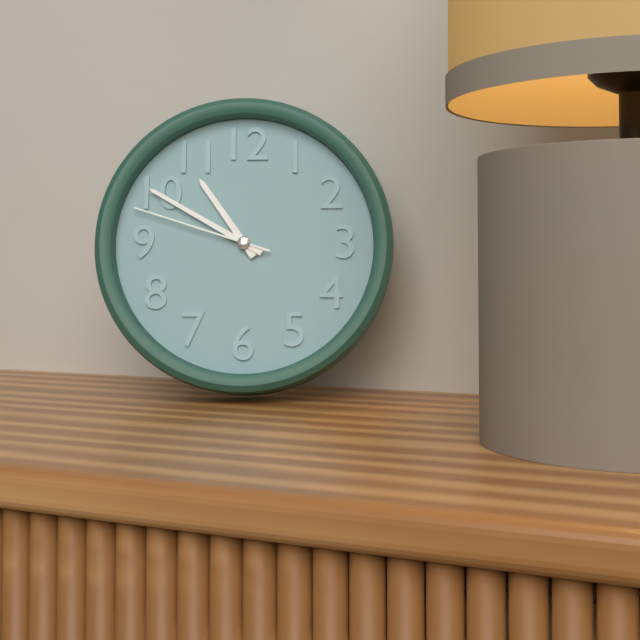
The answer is 10:50:48
